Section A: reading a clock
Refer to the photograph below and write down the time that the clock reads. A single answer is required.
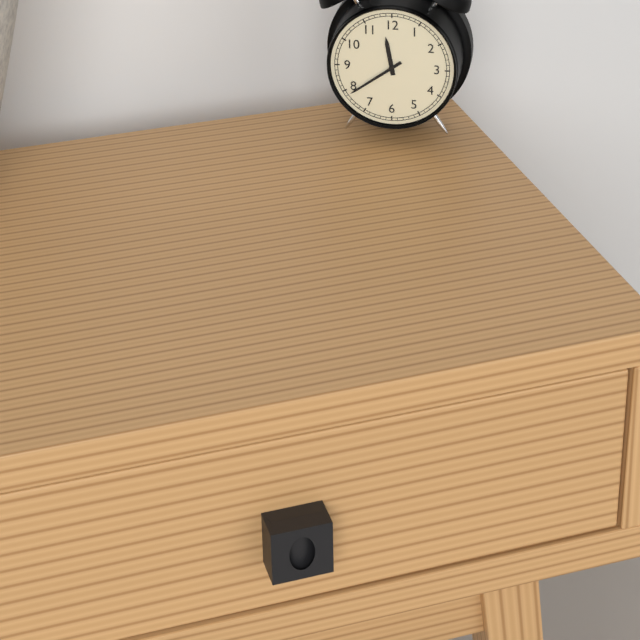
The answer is 11:39
